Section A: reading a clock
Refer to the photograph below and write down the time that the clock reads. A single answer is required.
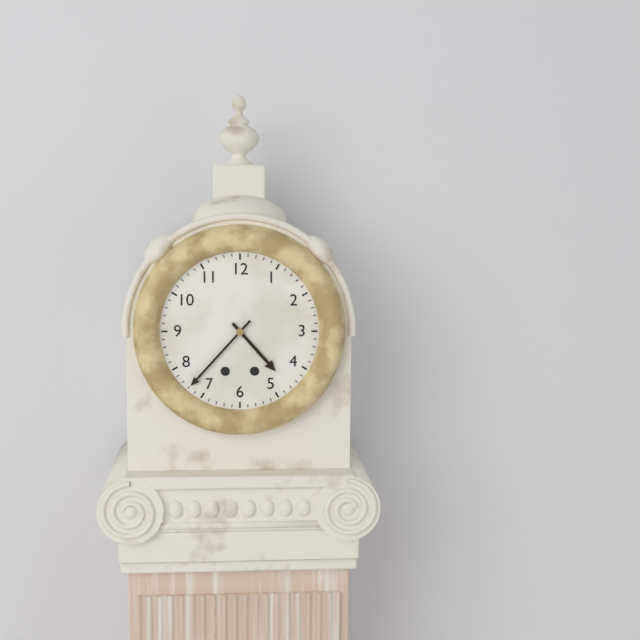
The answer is 4:37
